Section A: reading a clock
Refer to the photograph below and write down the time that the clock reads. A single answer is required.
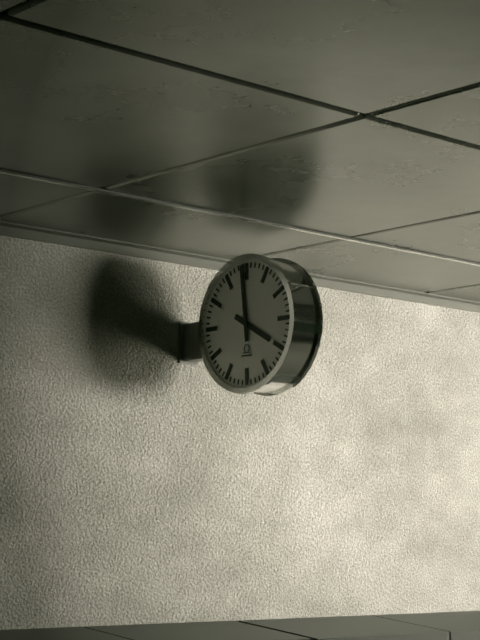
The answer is 3:59
